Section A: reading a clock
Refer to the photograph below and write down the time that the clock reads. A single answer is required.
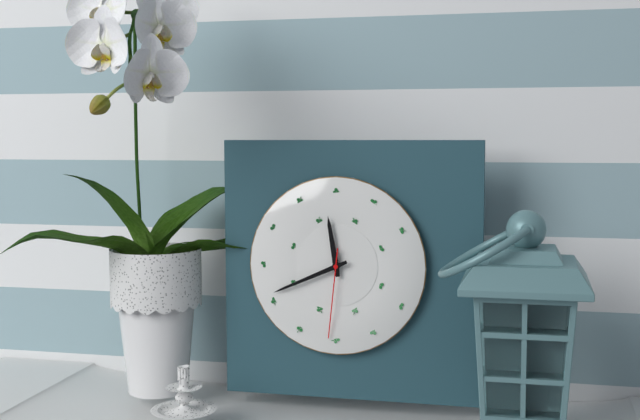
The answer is 11:41:31
